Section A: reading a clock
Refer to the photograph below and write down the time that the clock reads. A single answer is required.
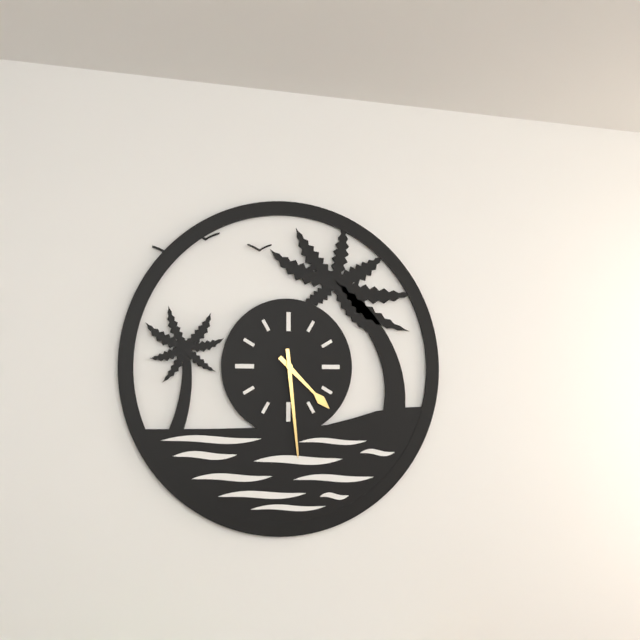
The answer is 4:29
